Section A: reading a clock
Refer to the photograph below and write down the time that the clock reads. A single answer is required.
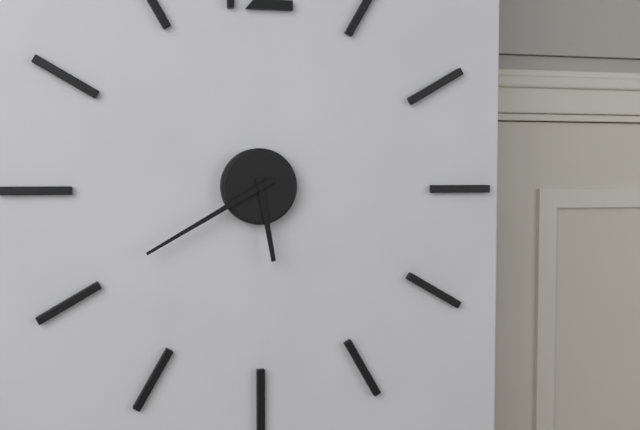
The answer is 5:40
